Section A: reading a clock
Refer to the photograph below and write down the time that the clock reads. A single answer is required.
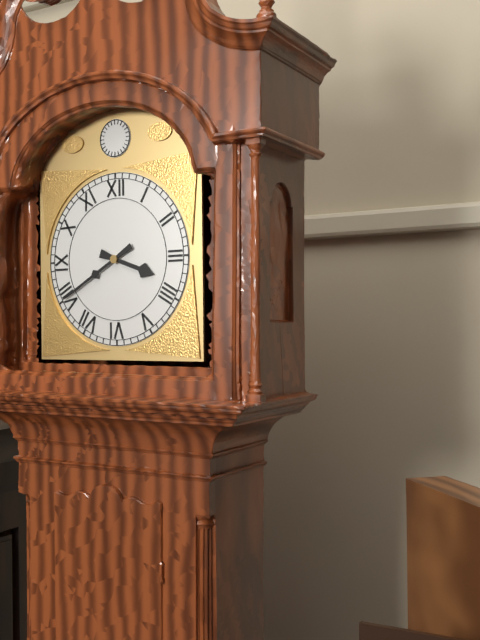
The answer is 3:40
